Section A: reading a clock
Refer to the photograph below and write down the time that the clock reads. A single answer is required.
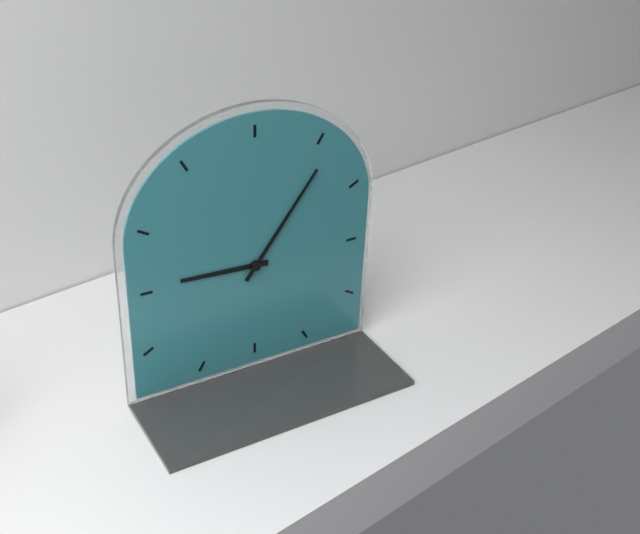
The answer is 9:06
